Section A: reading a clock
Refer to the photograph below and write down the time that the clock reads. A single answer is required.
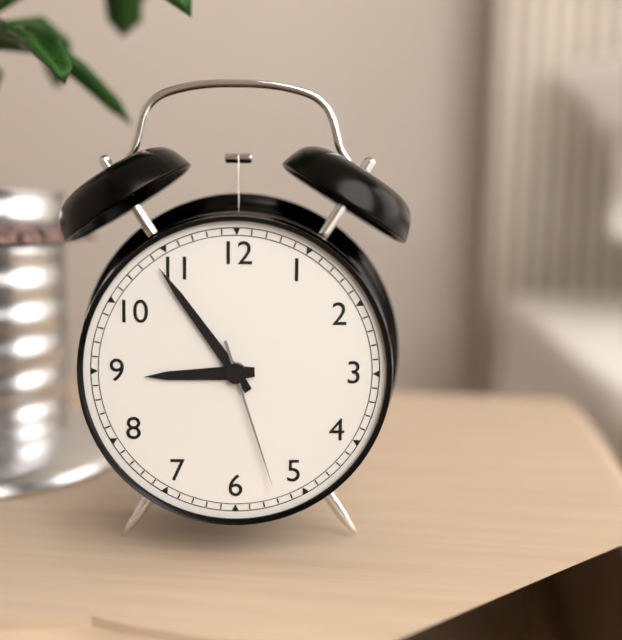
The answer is 8:54:27
